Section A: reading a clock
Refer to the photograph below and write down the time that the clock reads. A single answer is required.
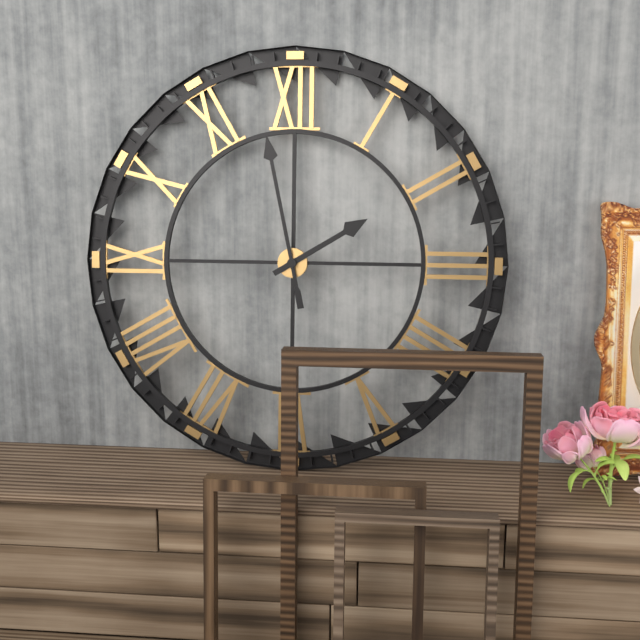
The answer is 1:58
